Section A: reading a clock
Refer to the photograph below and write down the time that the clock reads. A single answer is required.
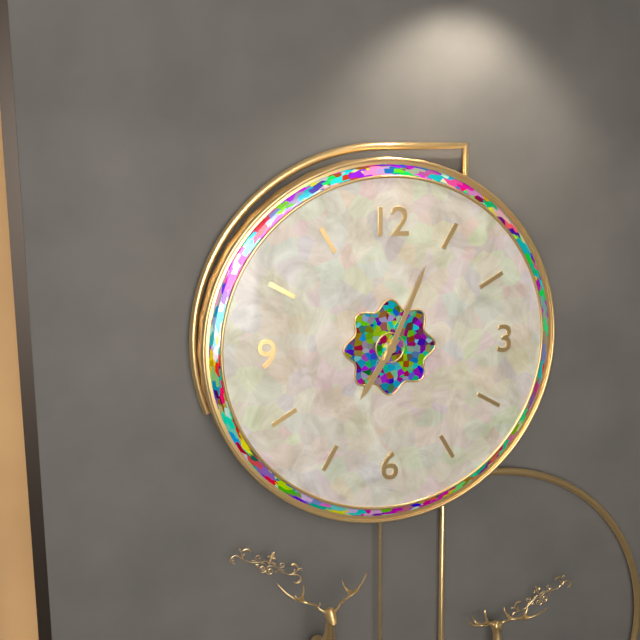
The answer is 7:04
